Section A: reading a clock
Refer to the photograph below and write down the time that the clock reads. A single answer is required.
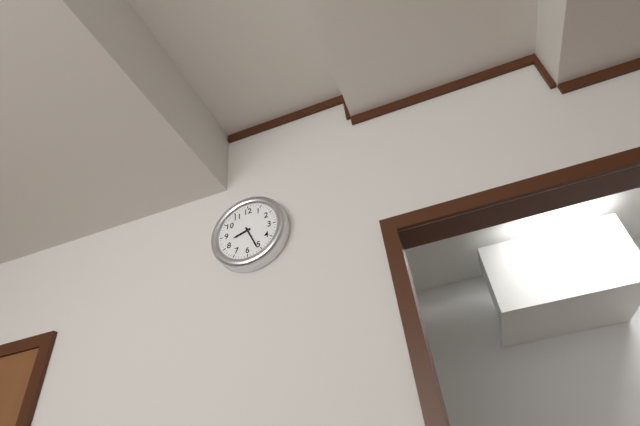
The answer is 8:26
